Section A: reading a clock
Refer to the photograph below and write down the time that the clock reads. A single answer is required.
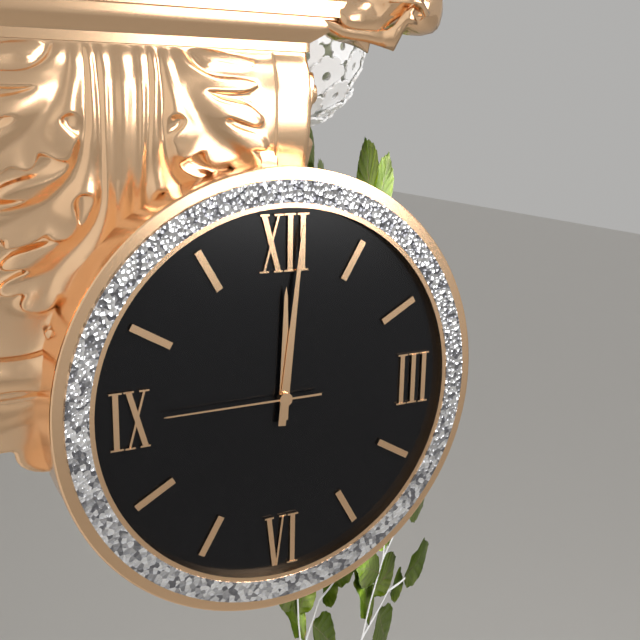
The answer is 12:01:45
